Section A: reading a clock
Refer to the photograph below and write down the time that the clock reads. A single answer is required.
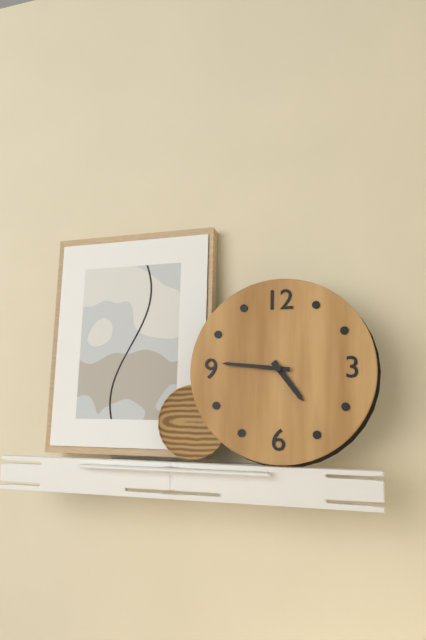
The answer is 4:46
